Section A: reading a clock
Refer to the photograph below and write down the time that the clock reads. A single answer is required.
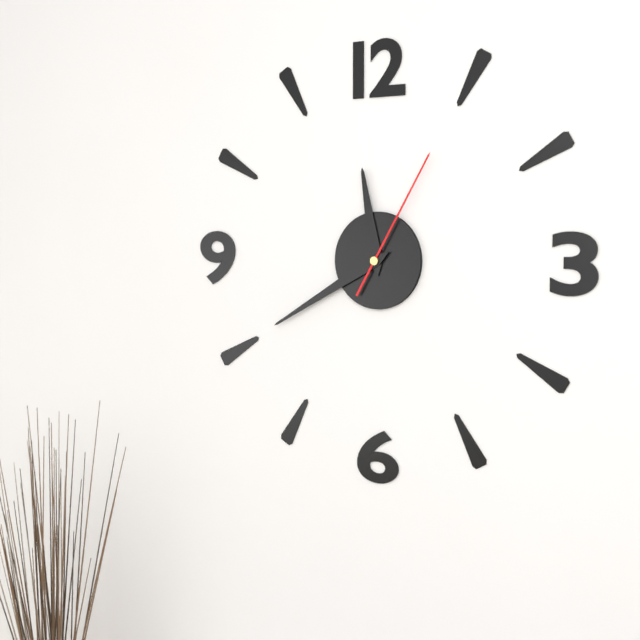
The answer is 11:40:05
